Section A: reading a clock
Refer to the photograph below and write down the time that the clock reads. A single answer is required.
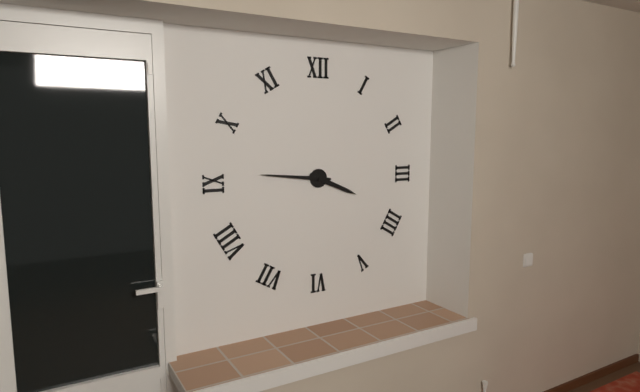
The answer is 3:46
